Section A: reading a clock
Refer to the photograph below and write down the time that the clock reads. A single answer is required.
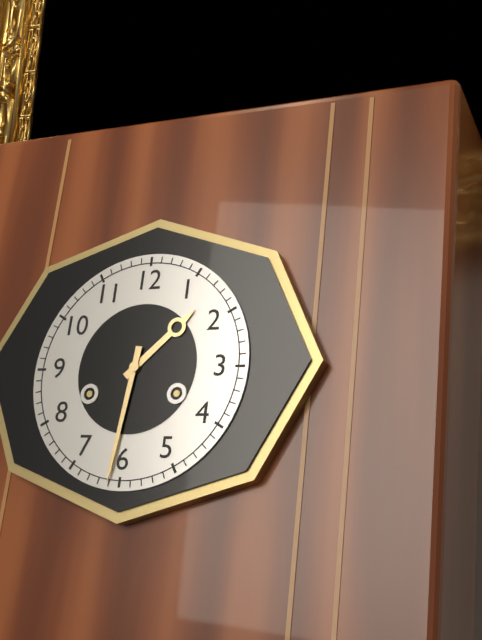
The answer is 1:31
